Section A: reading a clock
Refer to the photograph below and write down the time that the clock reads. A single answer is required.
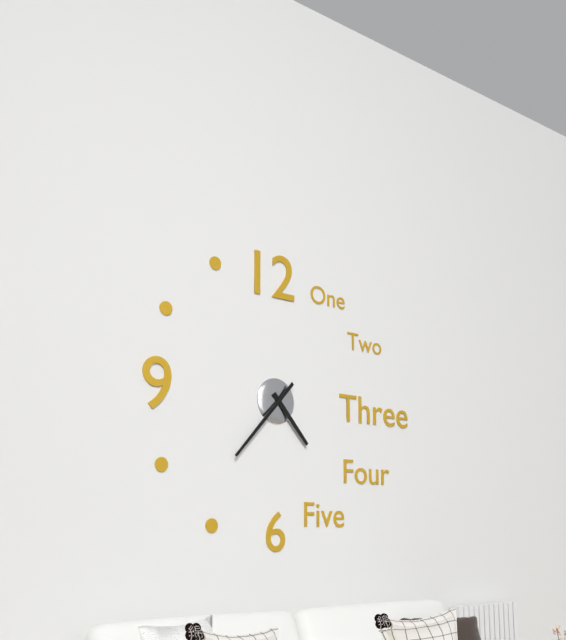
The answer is 4:37
